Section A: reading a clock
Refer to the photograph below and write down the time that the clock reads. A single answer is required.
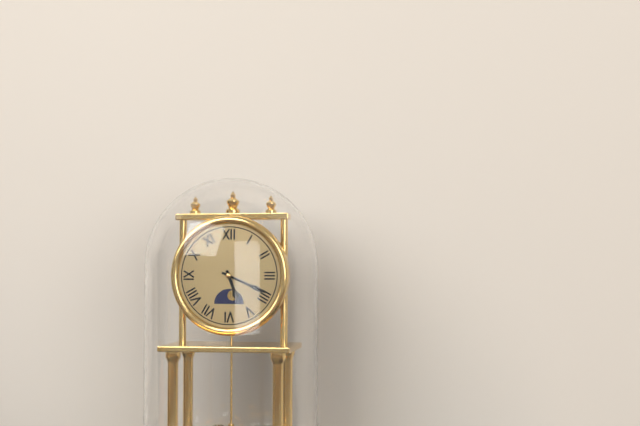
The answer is 5:19
